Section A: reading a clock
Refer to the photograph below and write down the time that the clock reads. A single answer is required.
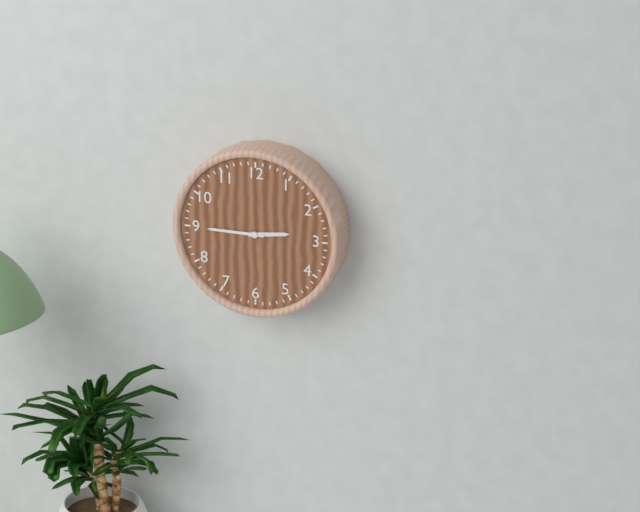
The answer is 2:45
